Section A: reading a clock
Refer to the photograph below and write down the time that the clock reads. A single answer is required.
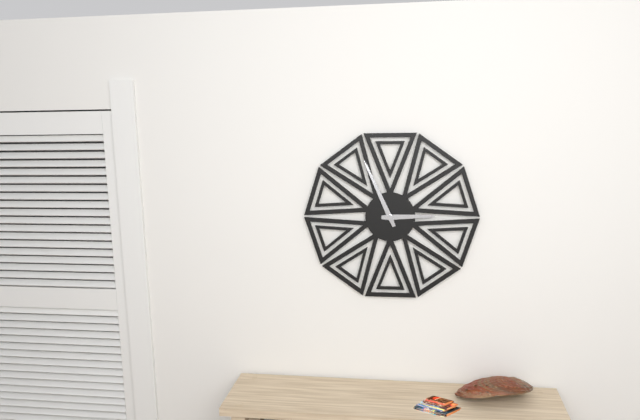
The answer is 2:56
